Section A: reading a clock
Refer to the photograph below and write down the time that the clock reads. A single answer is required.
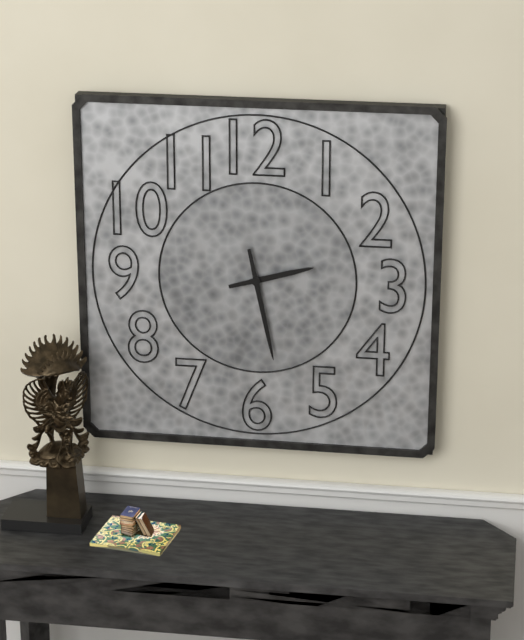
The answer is 2:28
